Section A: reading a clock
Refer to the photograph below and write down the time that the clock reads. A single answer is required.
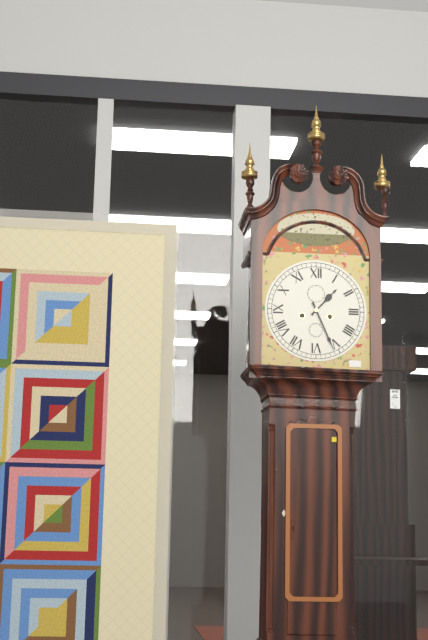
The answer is 1:26
